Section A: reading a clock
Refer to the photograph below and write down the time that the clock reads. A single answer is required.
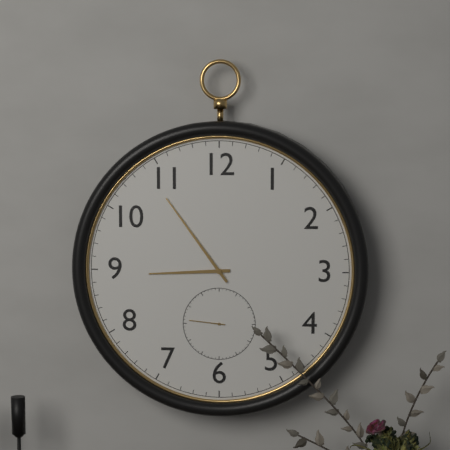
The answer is 8:54
